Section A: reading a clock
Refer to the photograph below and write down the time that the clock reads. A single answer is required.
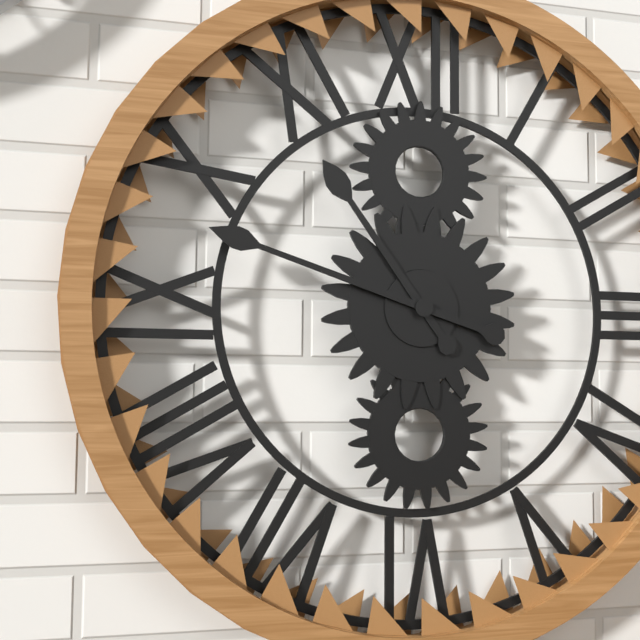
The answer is 10:48
